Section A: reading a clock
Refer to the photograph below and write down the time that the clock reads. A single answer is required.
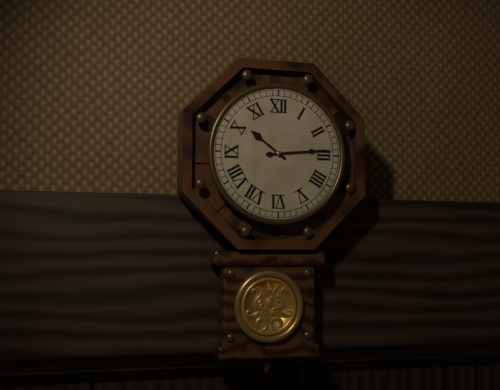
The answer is 10:14
